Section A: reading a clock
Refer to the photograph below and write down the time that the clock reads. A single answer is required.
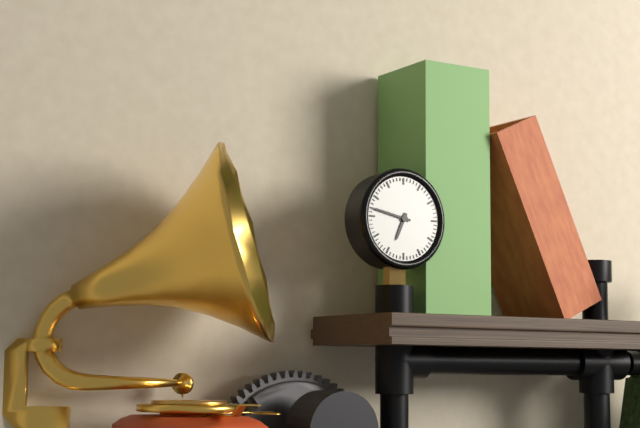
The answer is 6:47
